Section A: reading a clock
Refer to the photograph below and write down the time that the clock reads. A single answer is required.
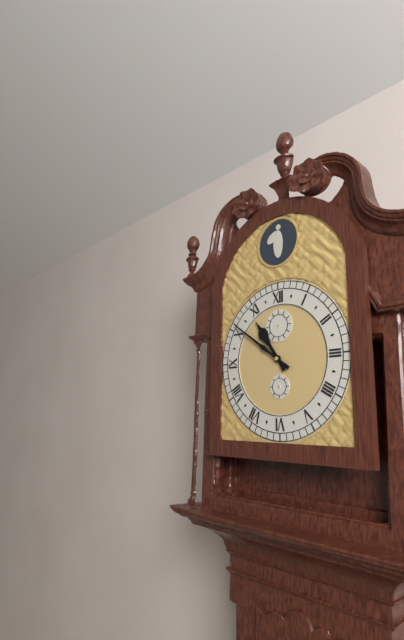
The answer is 10:51
